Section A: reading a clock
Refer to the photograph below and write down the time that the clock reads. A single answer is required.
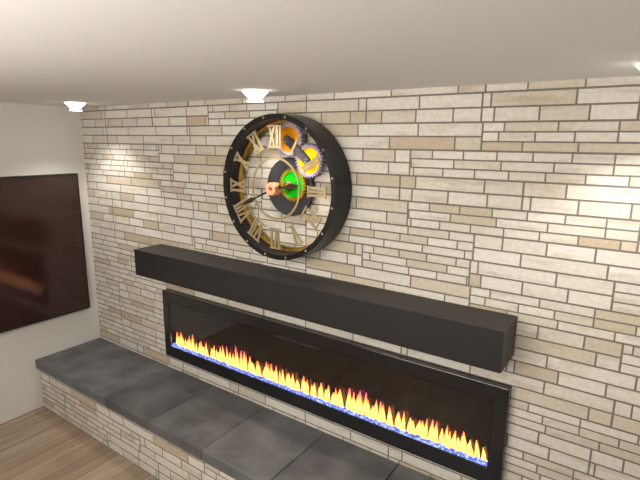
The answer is 2:41
